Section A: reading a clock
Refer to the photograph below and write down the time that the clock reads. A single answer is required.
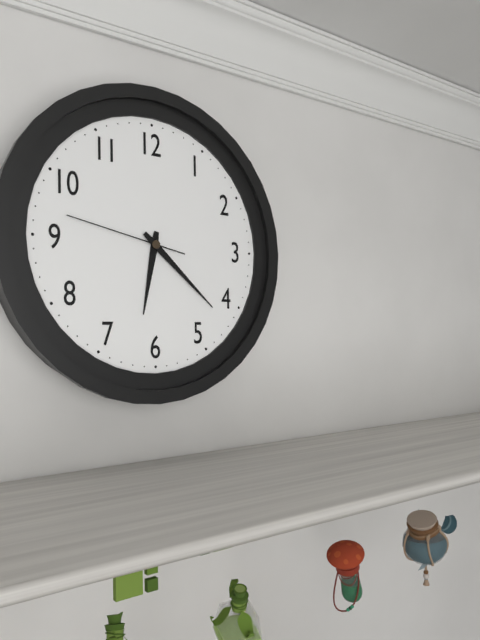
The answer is 6:22:47
